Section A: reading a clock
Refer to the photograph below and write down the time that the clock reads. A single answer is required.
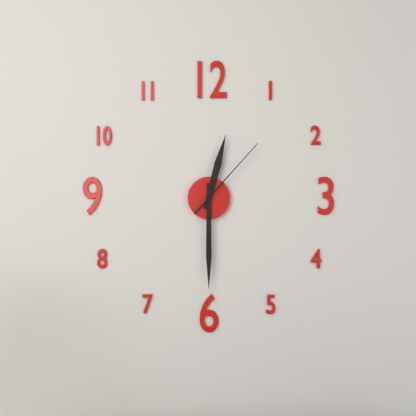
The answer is 12:30:07
